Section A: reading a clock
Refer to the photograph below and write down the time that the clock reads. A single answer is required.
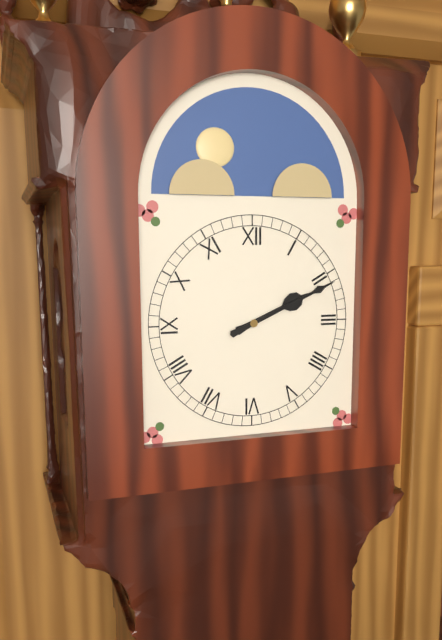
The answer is 2:11
